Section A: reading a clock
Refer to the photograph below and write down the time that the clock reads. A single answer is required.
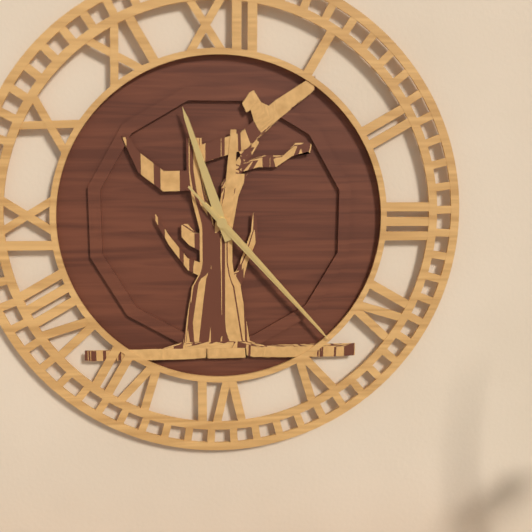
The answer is 11:23:23
